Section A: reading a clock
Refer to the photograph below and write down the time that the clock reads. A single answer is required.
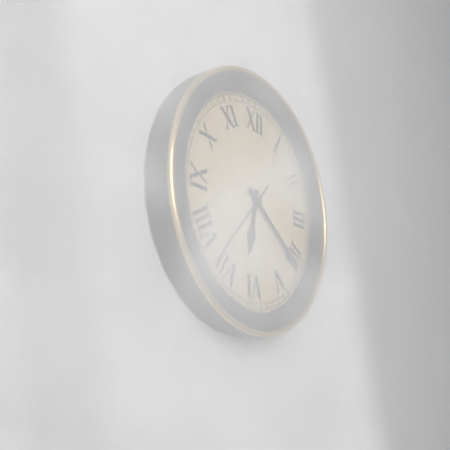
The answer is 6:21:37
